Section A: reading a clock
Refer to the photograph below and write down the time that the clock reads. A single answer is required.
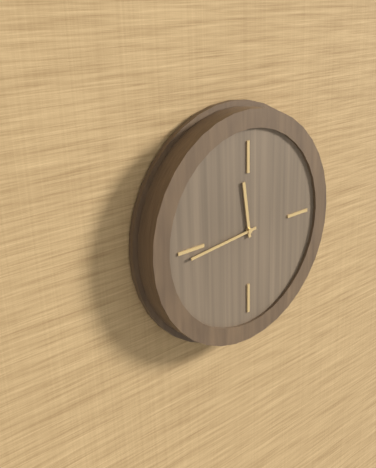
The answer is 11:44
